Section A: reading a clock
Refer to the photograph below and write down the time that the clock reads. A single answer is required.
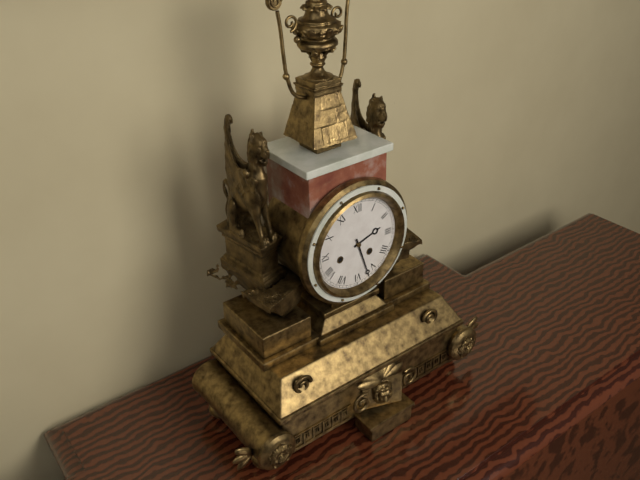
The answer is 2:27
